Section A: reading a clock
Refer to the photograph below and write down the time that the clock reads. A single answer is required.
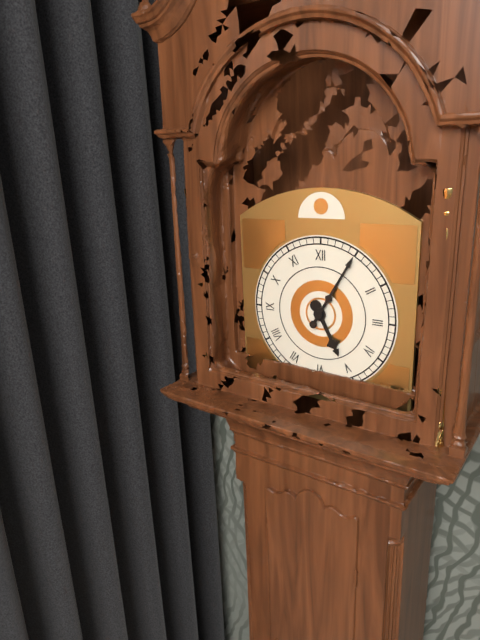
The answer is 5:05
